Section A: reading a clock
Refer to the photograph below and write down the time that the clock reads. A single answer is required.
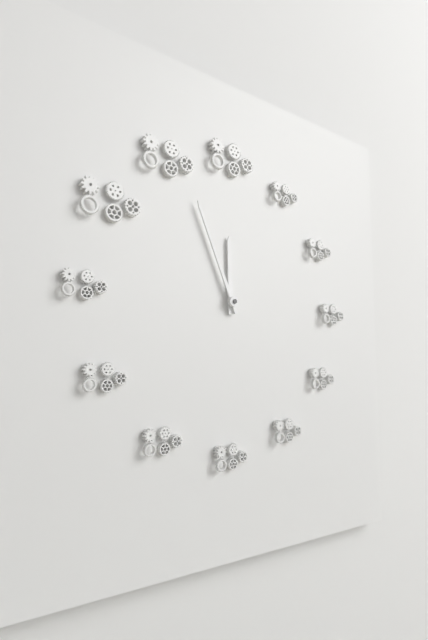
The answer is 11:56
